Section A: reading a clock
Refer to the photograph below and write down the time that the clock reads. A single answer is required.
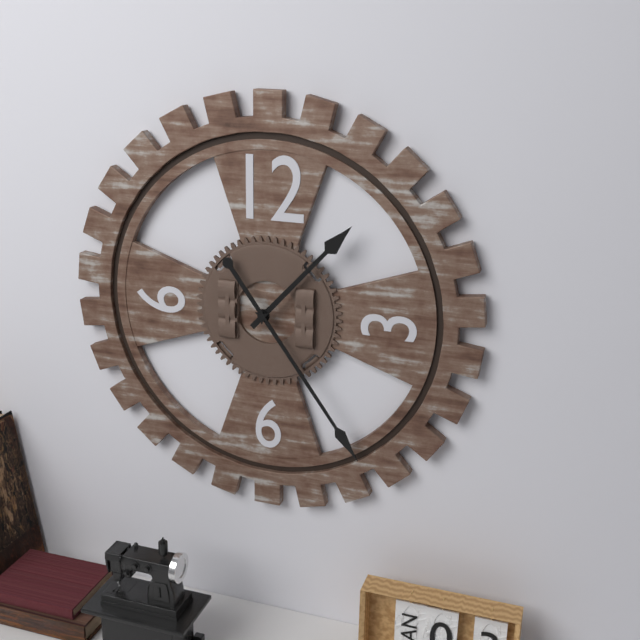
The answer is 1:24
